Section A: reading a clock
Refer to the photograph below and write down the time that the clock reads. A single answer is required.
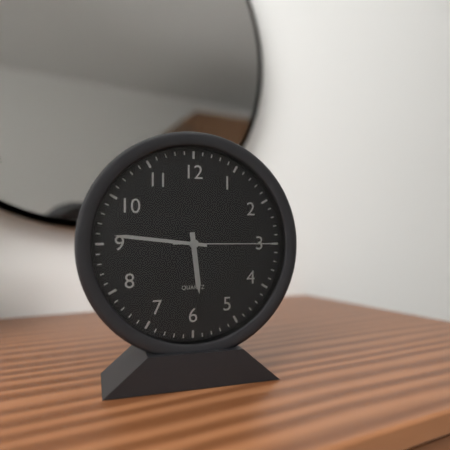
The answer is 5:46:15
